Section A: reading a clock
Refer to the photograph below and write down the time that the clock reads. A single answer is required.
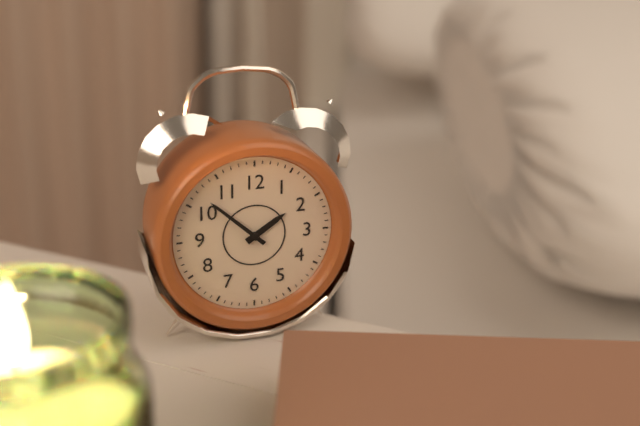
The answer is 1:52
